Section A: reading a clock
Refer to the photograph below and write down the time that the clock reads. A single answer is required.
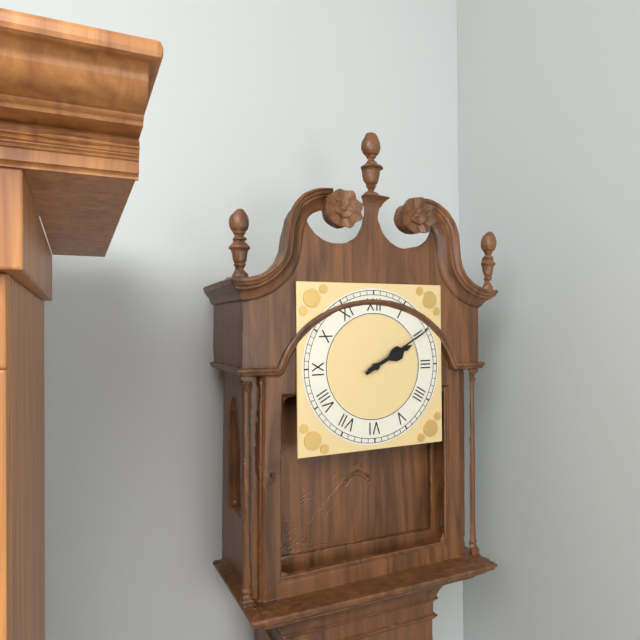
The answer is 2:10
